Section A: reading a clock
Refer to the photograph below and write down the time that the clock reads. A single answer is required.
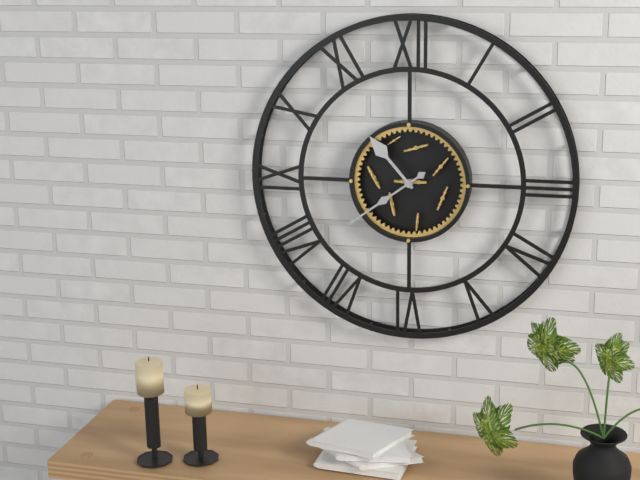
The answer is 10:39
